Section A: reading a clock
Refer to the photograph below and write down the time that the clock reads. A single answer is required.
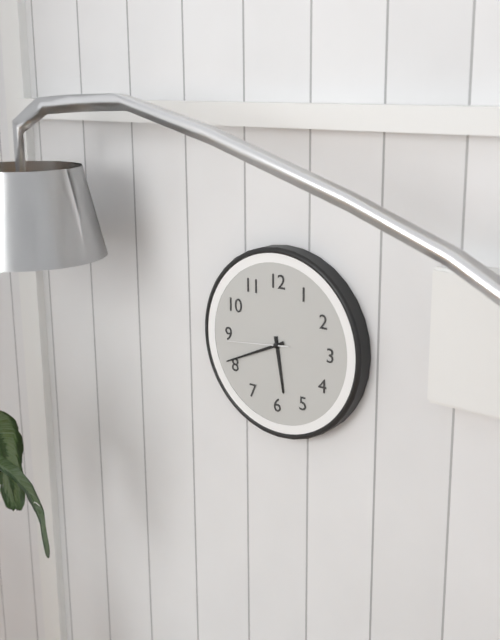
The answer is 5:41:44
